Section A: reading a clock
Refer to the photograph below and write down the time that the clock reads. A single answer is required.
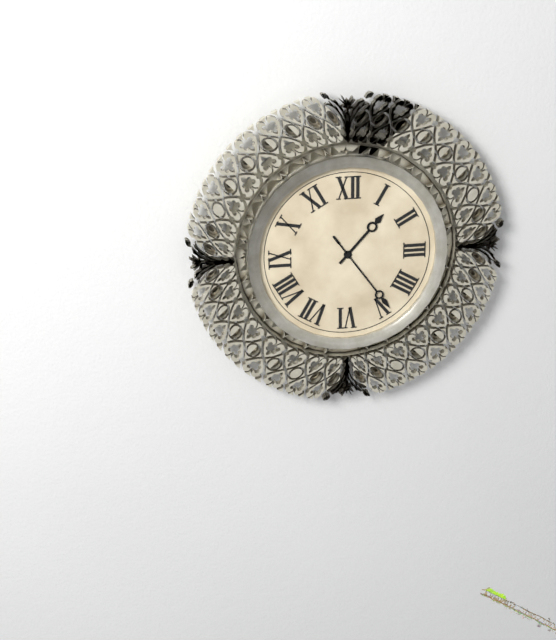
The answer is 1:24
